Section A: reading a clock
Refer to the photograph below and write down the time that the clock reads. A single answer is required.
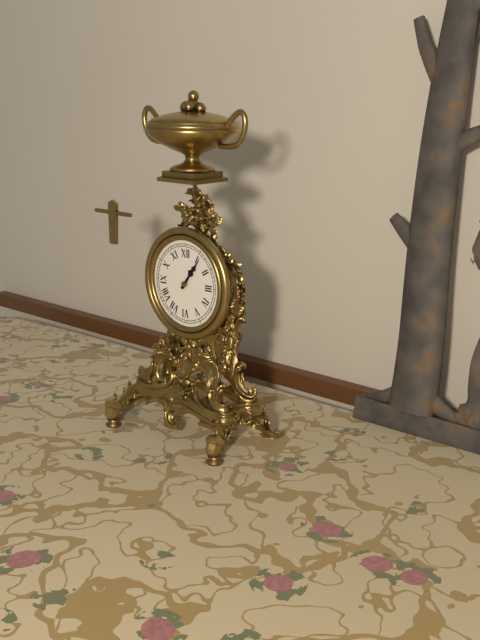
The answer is 1:06
